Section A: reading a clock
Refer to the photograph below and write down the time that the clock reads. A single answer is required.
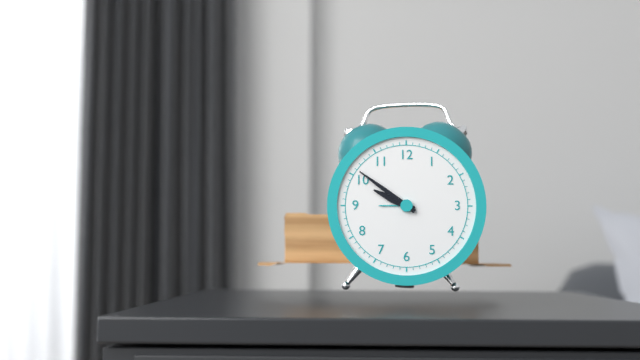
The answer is 9:51
